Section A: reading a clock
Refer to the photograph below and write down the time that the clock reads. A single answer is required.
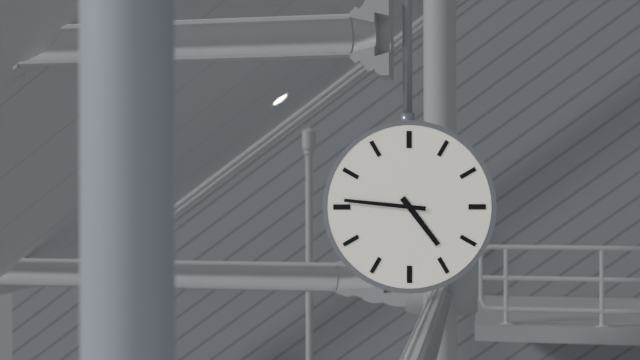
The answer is 4:46
